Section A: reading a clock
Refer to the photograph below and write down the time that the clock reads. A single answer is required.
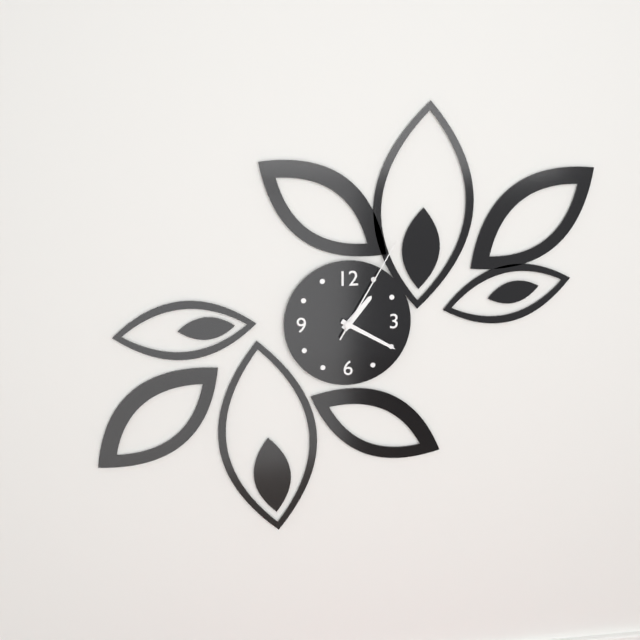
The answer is 1:20:05
